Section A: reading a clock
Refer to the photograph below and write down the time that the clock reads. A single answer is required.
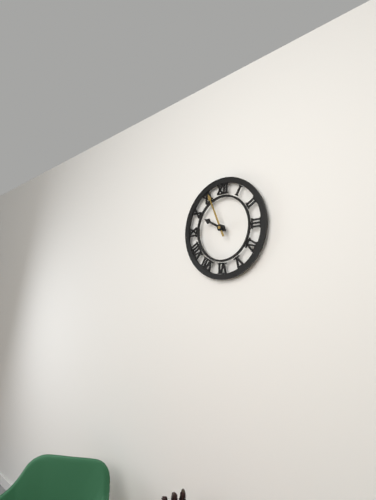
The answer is 9:56
